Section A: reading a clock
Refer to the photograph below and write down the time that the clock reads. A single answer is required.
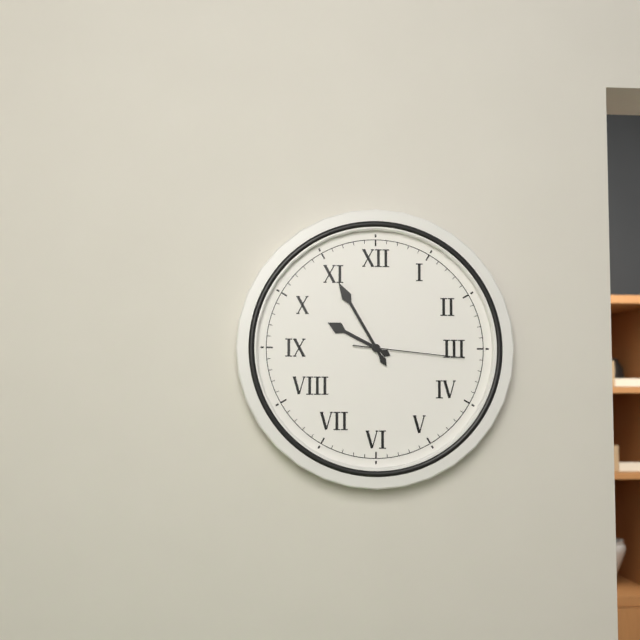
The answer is 9:55:16
